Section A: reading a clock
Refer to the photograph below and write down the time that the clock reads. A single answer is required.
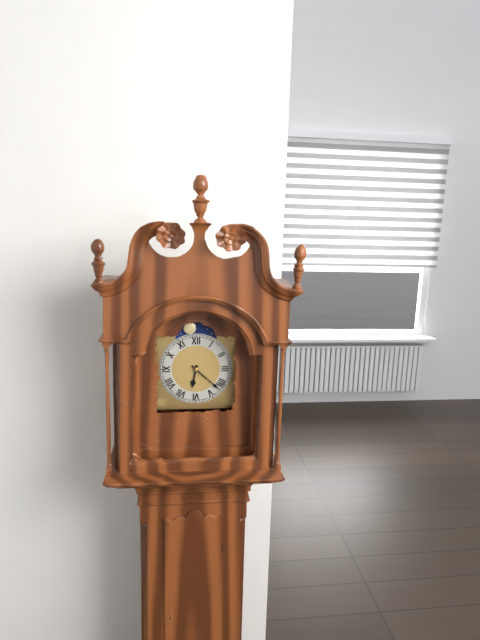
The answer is 6:22
